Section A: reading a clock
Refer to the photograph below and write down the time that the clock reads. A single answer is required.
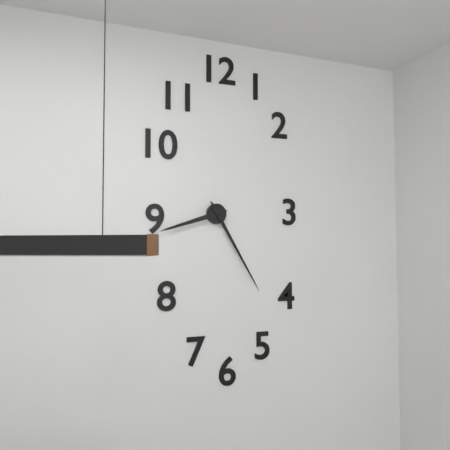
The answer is 8:25
